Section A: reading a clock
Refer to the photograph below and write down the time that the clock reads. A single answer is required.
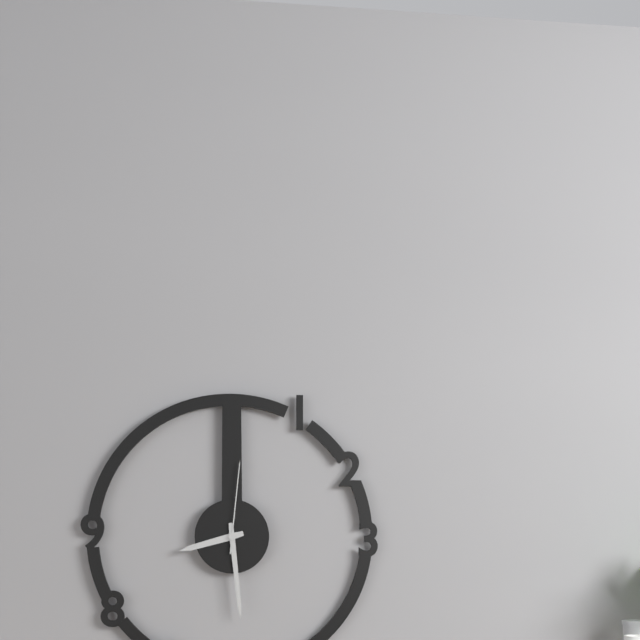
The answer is 8:29:01
